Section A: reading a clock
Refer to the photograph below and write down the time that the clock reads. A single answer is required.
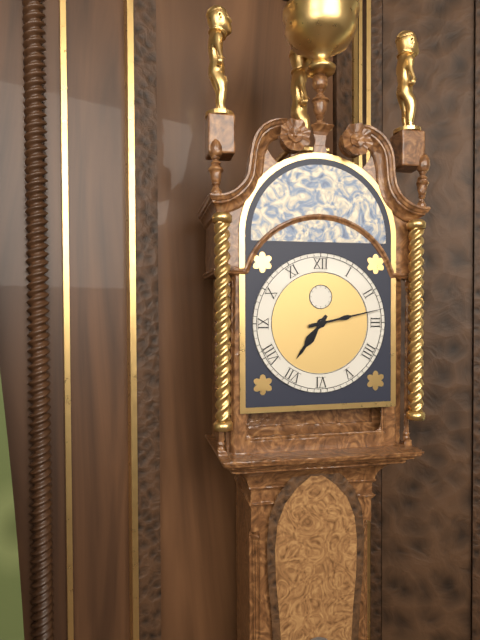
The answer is 7:13
